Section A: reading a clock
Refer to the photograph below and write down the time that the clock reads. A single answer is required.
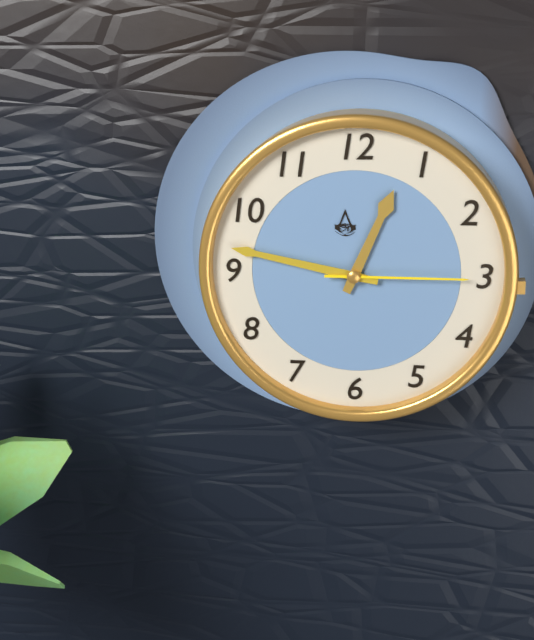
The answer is 12:47:15
